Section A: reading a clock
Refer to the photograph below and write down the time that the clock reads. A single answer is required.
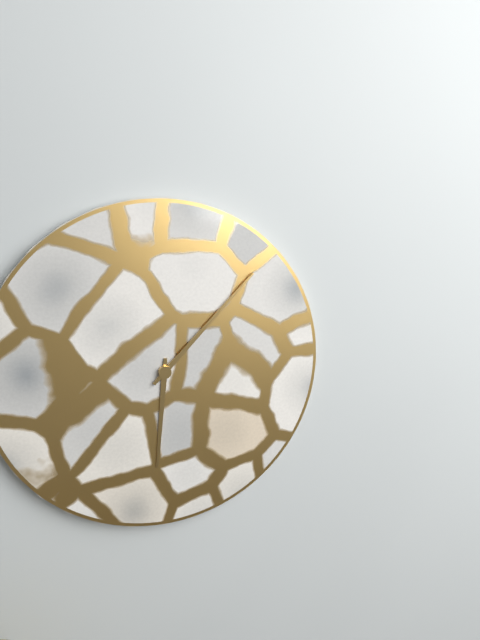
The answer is 6:07
